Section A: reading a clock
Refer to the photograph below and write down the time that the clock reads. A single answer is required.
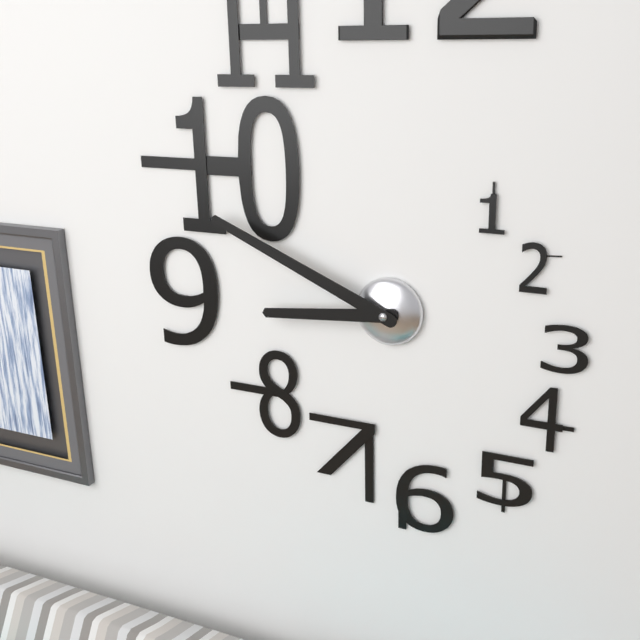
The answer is 8:49
